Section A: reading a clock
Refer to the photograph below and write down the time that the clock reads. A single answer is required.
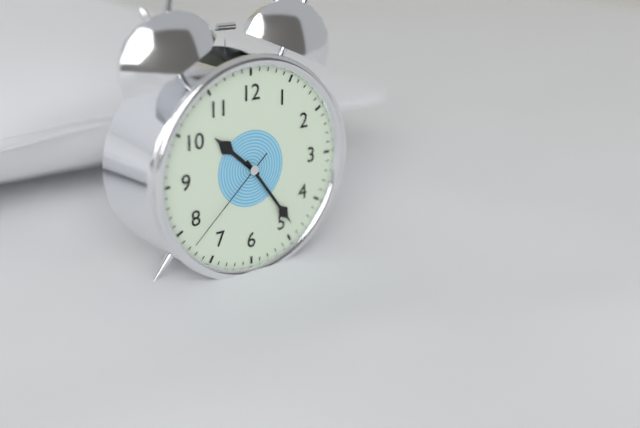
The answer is 10:24:38
